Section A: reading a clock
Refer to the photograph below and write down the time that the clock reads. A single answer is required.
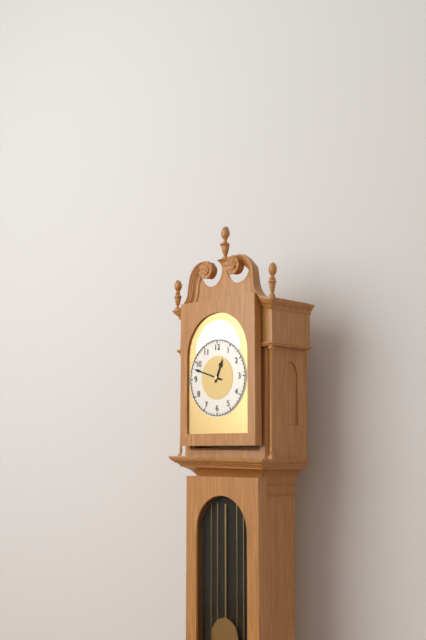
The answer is 12:48
